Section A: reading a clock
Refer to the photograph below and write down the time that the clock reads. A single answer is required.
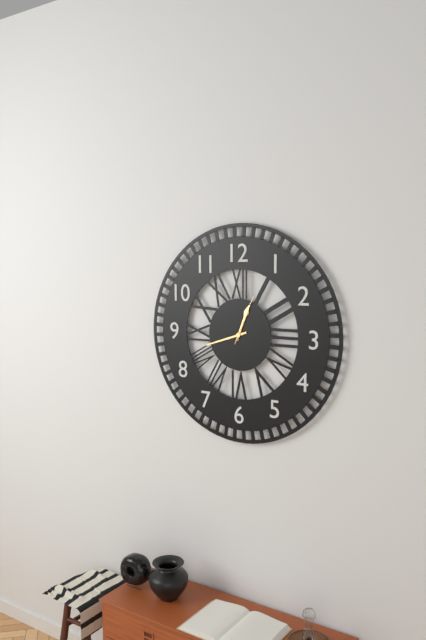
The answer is 12:42:04
